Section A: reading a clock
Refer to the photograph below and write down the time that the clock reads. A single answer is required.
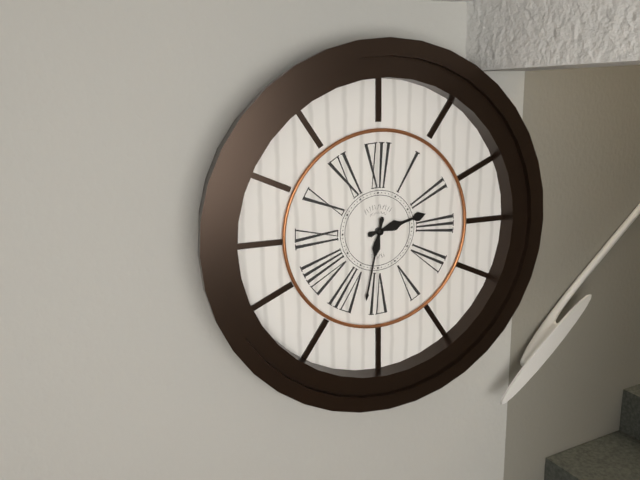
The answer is 2:32
